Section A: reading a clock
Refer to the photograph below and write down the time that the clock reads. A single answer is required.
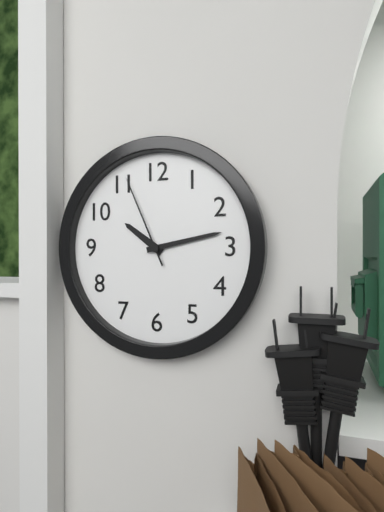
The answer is 10:13:56
